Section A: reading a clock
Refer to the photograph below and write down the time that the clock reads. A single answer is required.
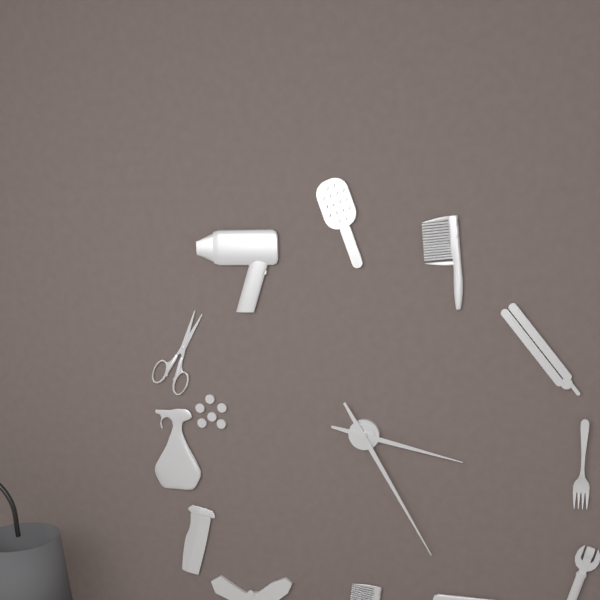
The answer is 3:25
